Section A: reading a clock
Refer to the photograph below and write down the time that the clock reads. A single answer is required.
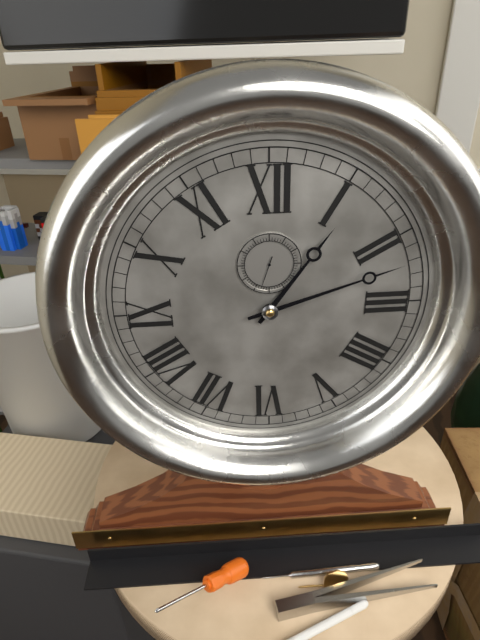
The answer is 1:12
